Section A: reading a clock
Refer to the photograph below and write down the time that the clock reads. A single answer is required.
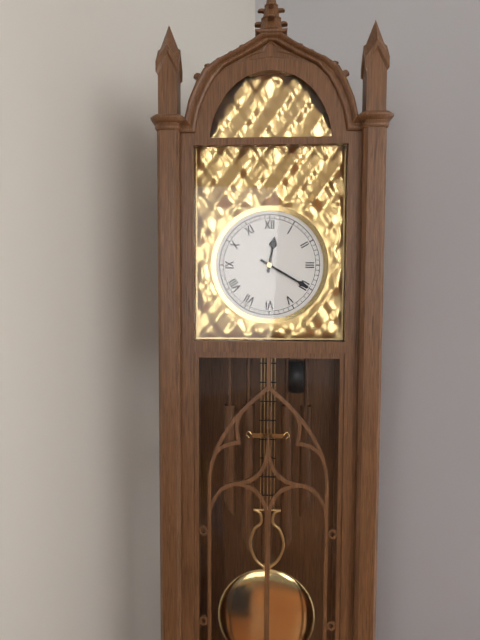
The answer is 12:20
